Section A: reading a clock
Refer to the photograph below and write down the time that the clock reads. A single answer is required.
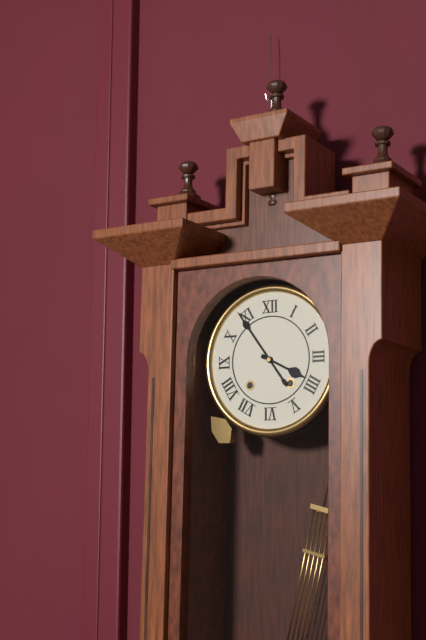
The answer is 3:54
